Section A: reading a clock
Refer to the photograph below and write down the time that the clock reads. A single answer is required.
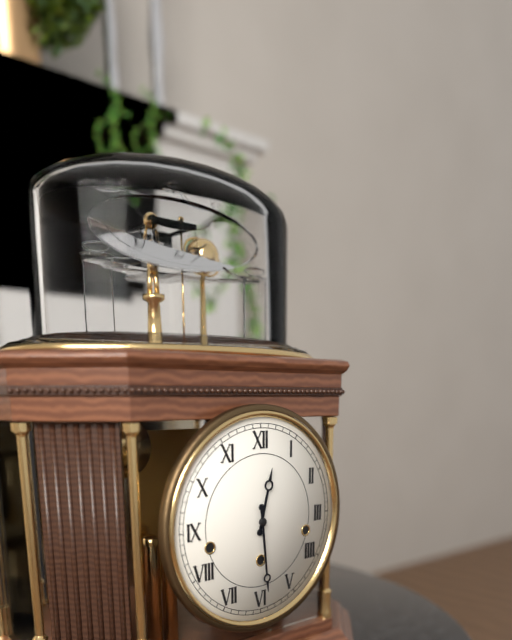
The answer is 12:29
